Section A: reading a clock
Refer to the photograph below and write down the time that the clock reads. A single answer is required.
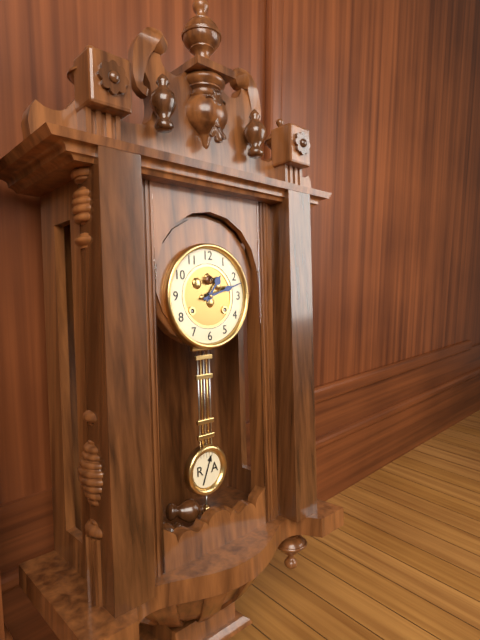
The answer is 1:12
